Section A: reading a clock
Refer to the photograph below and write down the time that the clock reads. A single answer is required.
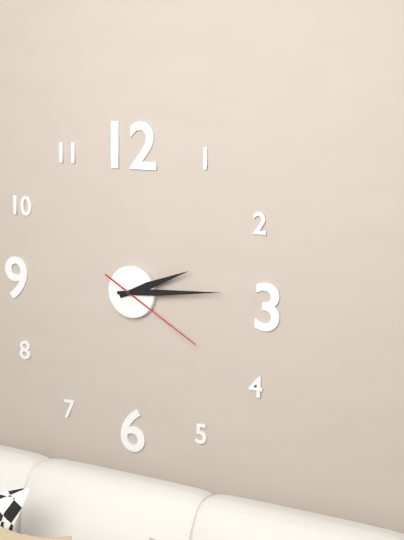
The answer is 2:14:20
